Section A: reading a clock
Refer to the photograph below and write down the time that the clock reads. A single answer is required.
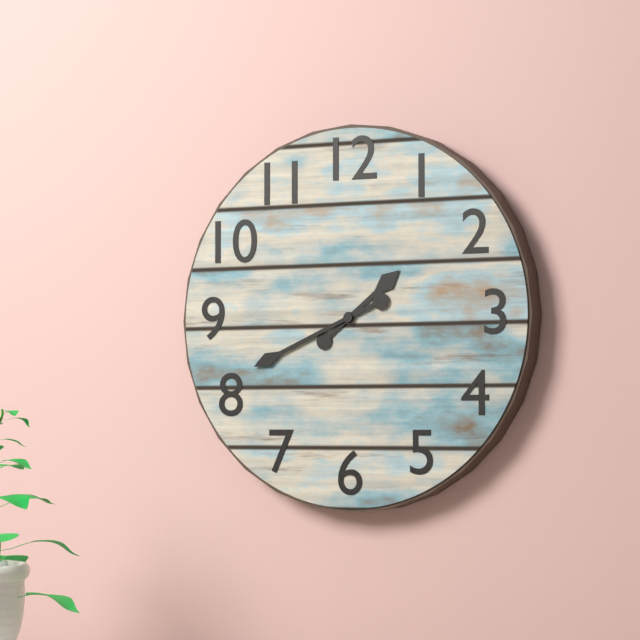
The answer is 1:41
